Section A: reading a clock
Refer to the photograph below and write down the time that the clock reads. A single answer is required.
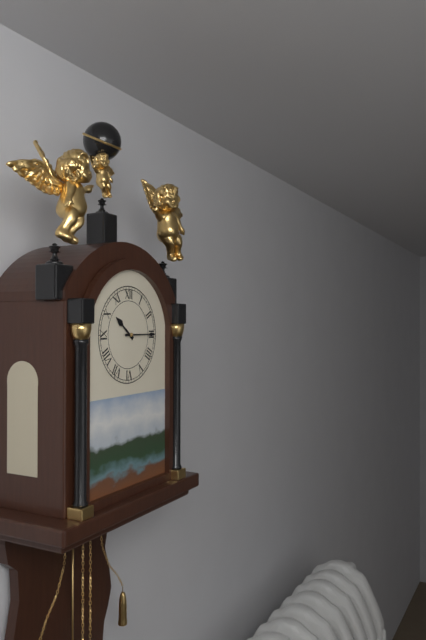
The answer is 10:15
